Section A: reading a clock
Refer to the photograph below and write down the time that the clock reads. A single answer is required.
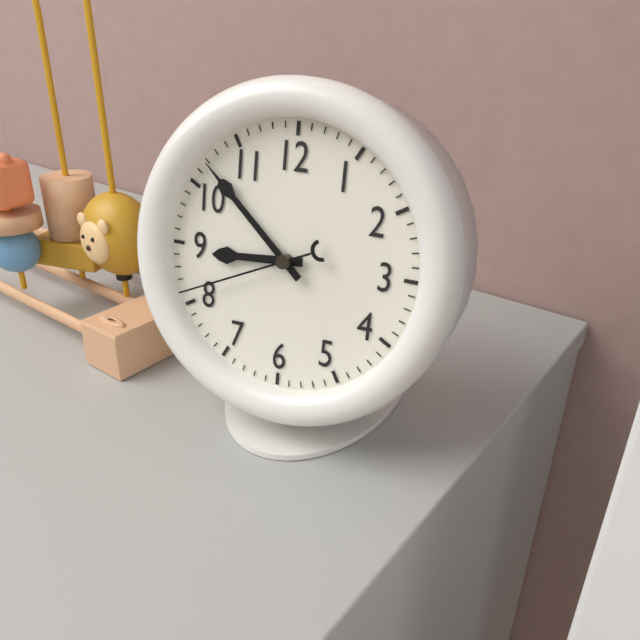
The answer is 8:52:41
